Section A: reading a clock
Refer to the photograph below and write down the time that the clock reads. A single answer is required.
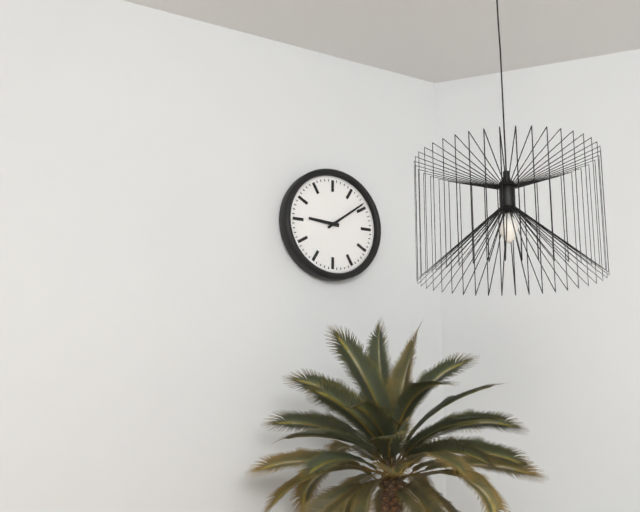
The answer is 9:09
